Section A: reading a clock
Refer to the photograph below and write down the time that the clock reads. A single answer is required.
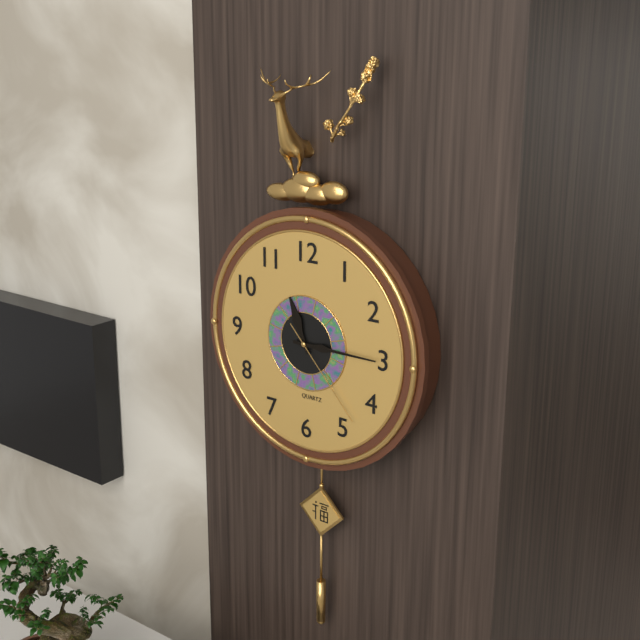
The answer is 11:15:23
